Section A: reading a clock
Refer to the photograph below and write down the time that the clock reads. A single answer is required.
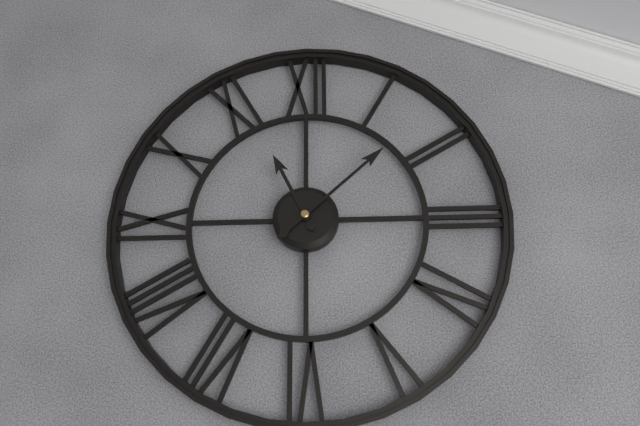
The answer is 11:08
